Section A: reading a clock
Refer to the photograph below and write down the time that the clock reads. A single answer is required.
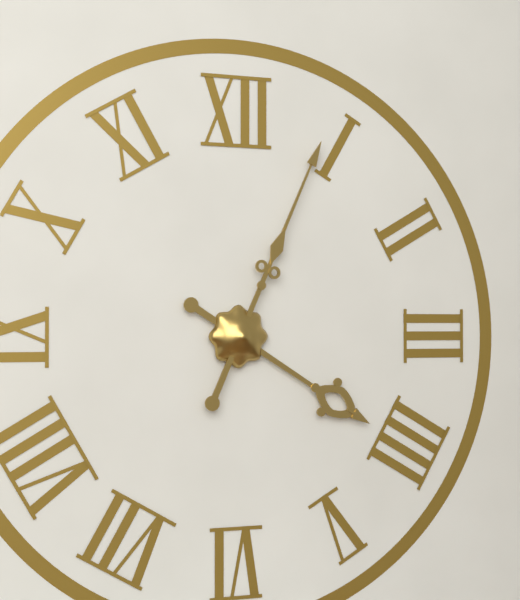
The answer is 4:04
